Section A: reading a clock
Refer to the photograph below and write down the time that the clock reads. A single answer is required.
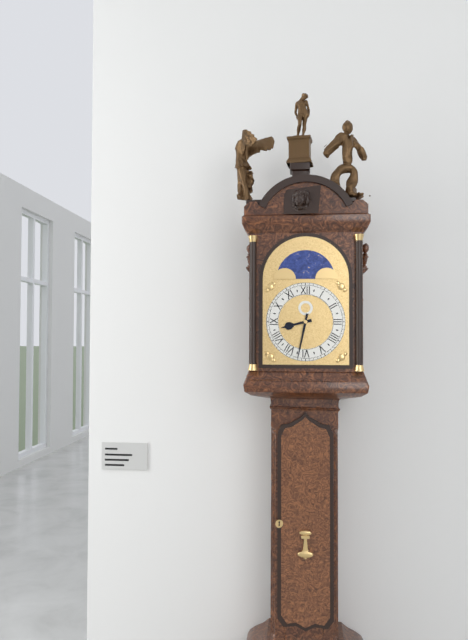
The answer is 8:32
